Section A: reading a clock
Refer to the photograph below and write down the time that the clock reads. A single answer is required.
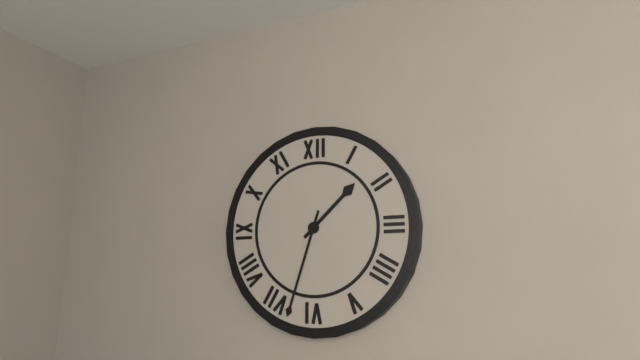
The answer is 1:33
